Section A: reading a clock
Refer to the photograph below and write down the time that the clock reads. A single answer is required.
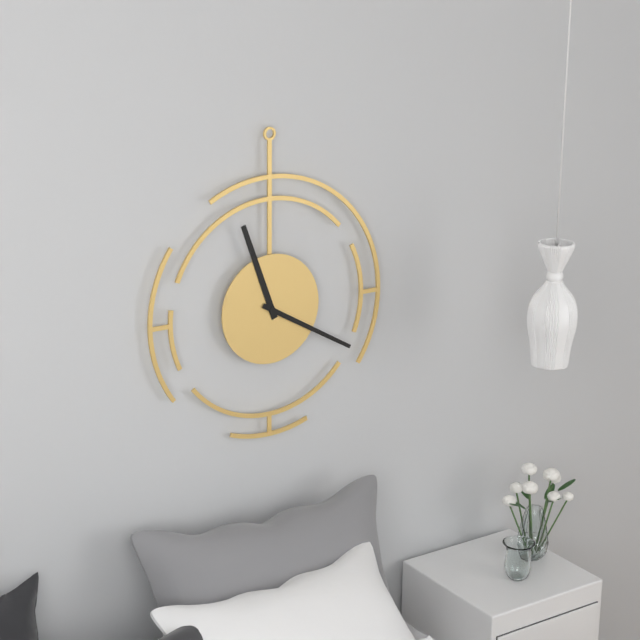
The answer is 11:20
